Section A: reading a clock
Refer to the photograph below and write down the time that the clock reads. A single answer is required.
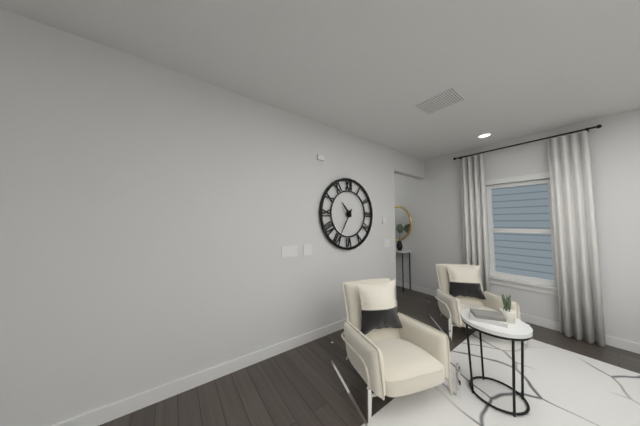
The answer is 10:35
